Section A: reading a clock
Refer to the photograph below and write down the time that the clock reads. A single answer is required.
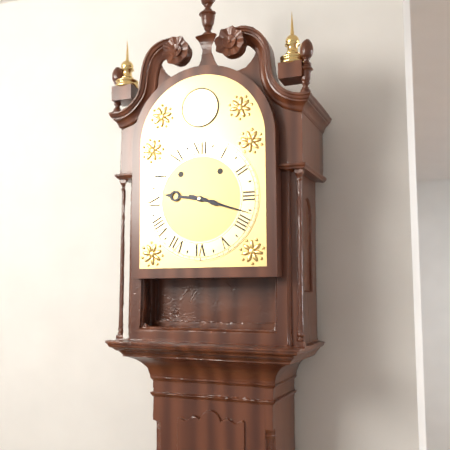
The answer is 9:18
